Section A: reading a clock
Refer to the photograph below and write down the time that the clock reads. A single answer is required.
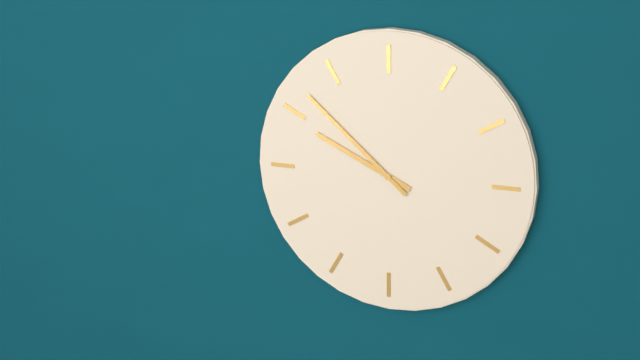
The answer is 9:52
